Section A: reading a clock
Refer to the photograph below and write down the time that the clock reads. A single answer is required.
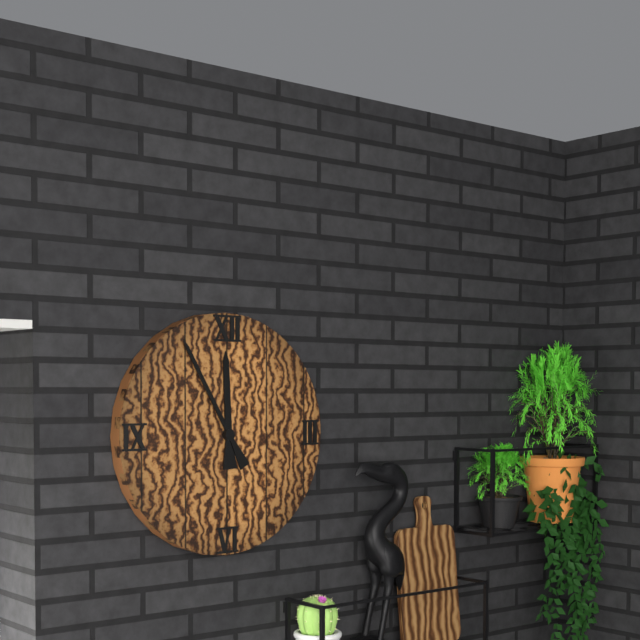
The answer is 11:55
